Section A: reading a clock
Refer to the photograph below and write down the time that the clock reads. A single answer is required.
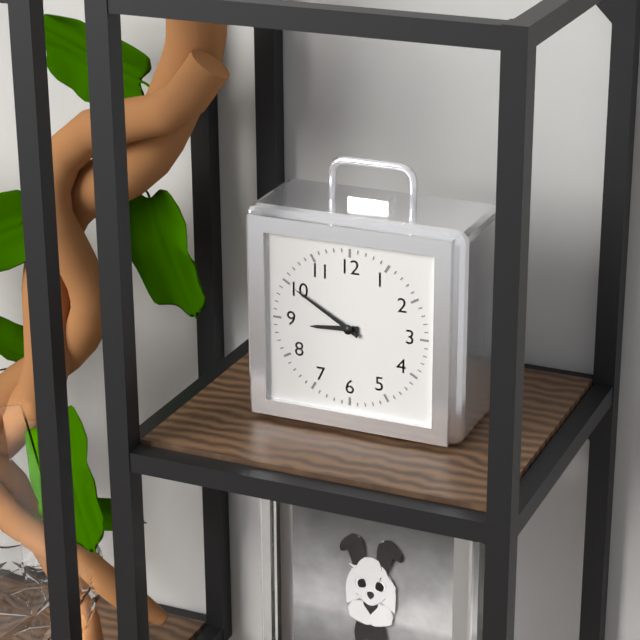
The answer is 8:50
